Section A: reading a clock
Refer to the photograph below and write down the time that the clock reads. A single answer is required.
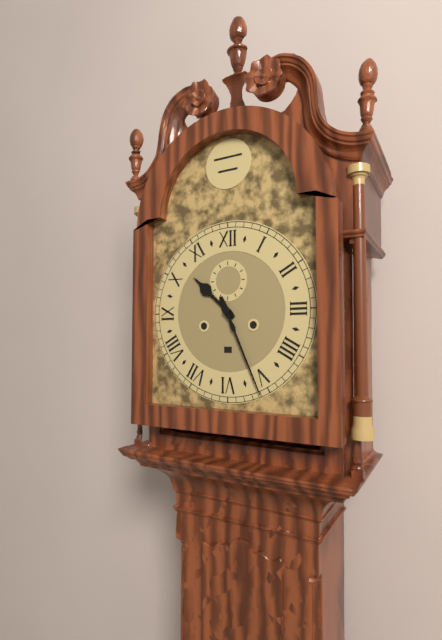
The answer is 10:26
